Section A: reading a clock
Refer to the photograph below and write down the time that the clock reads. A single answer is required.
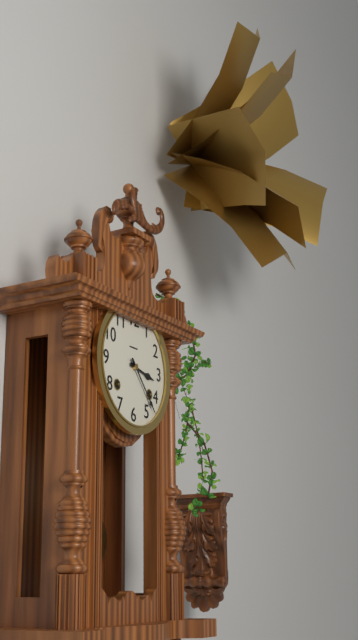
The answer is 3:23
